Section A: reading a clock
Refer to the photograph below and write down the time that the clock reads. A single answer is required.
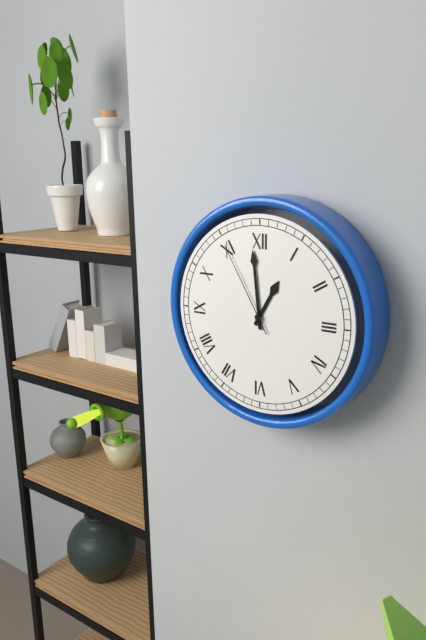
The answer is 12:59:55
